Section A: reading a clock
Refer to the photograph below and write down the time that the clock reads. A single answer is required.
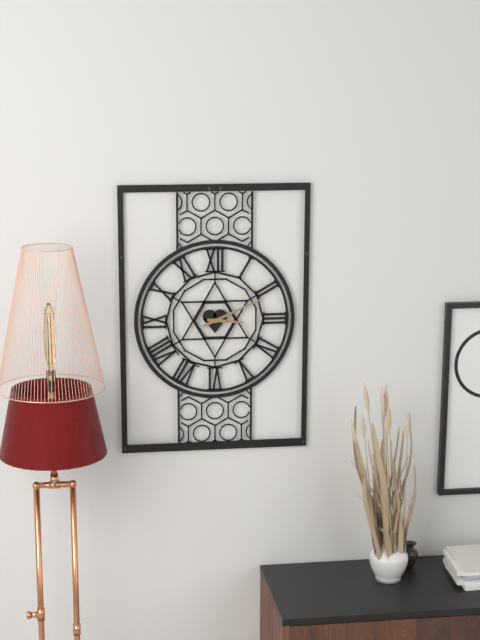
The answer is 3:11
